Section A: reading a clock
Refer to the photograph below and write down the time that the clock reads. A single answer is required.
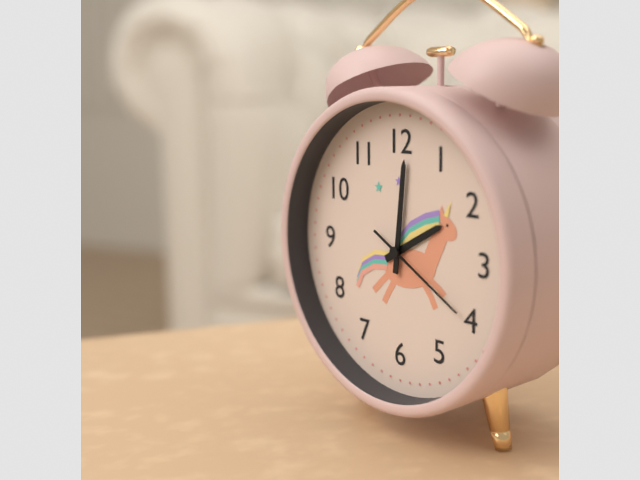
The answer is 2:01:20
